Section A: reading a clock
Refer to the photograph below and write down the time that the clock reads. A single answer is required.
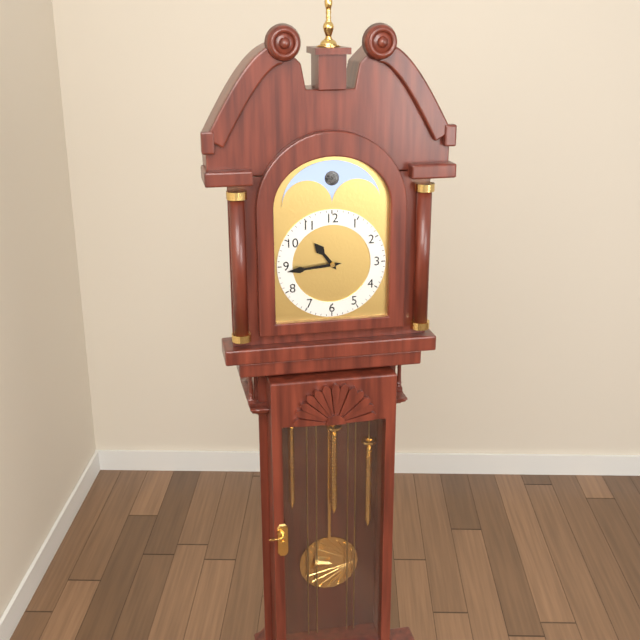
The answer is 10:44
